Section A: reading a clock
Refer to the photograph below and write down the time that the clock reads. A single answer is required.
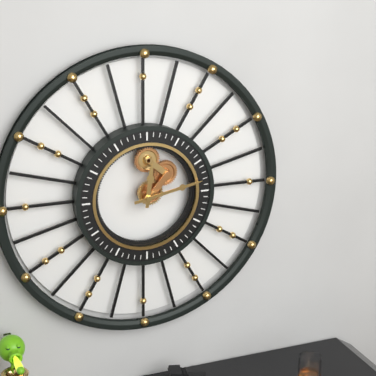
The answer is 12:13
